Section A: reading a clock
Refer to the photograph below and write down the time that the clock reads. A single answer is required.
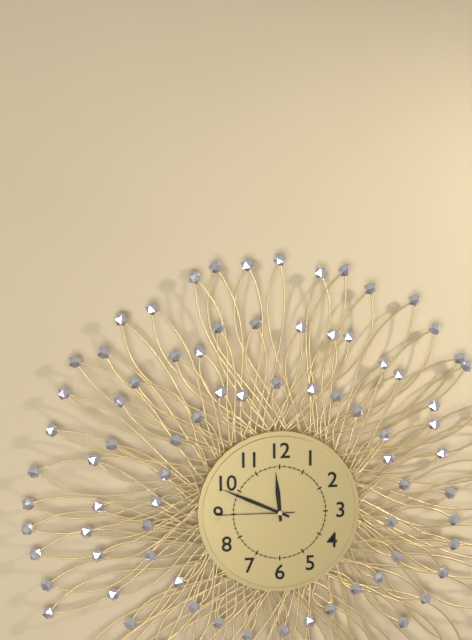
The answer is 11:49:45
